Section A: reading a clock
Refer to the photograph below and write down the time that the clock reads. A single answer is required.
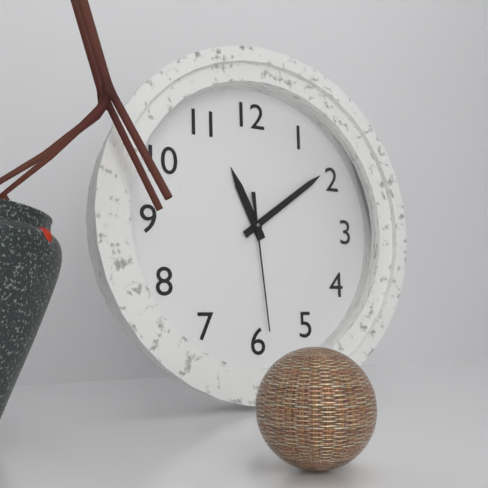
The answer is 11:09:29
